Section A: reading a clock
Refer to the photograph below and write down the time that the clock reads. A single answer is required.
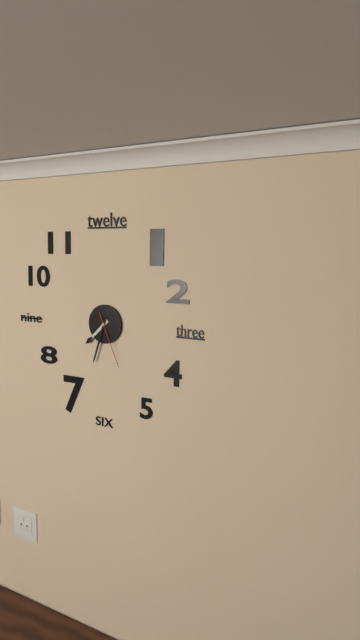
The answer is 7:33:26
